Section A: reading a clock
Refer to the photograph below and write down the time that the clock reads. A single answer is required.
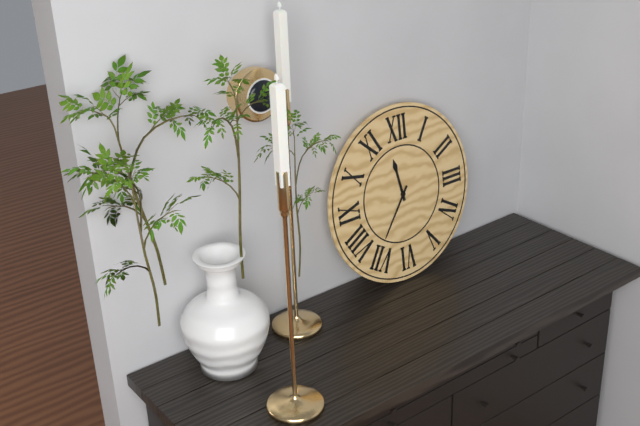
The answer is 11:36
